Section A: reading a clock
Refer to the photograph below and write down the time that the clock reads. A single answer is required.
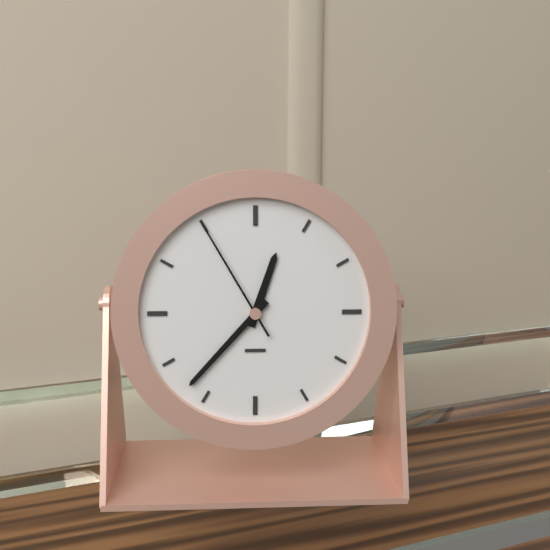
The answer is 12:37:55
